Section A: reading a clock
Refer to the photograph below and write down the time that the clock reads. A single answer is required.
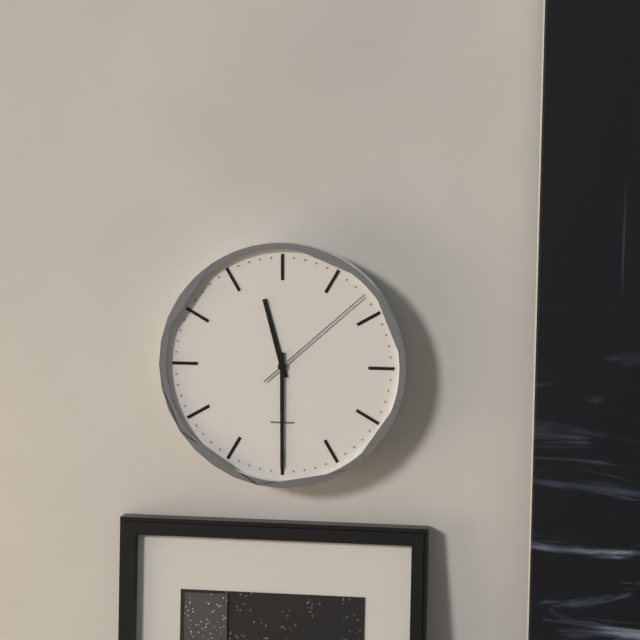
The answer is 11:30:08
